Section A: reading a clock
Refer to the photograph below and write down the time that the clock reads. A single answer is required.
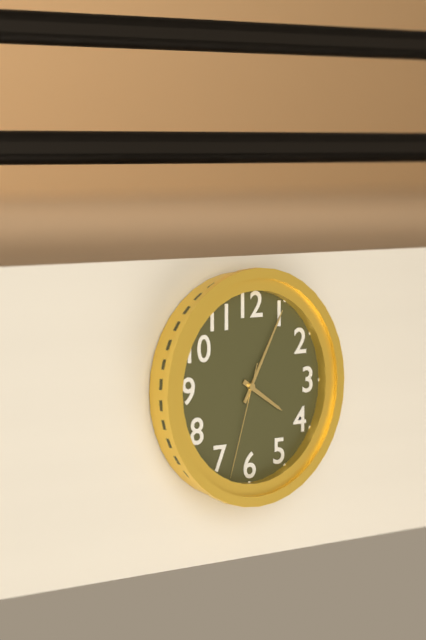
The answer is 4:05:33
